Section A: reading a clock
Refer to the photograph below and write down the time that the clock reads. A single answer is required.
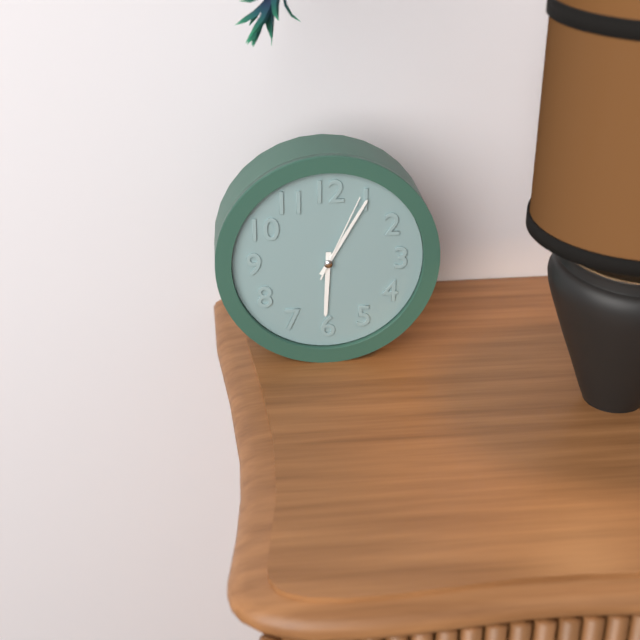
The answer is 6:05:04
